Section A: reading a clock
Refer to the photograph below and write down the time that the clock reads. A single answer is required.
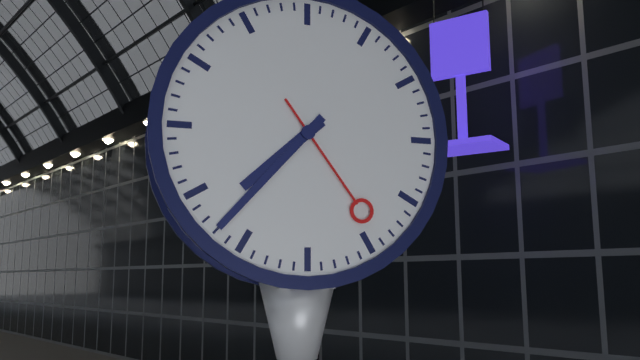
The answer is 7:37:24
